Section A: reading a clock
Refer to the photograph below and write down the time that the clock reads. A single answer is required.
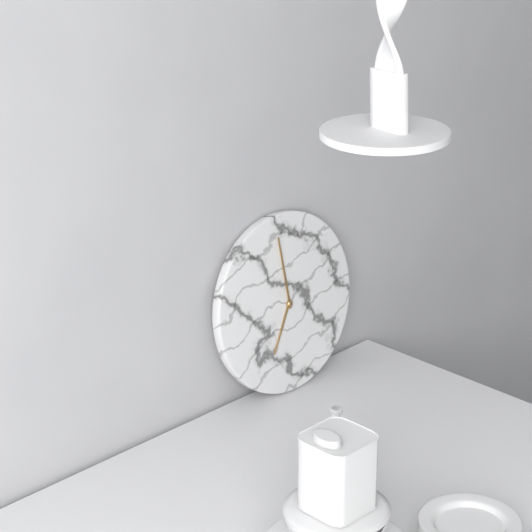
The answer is 6:59
